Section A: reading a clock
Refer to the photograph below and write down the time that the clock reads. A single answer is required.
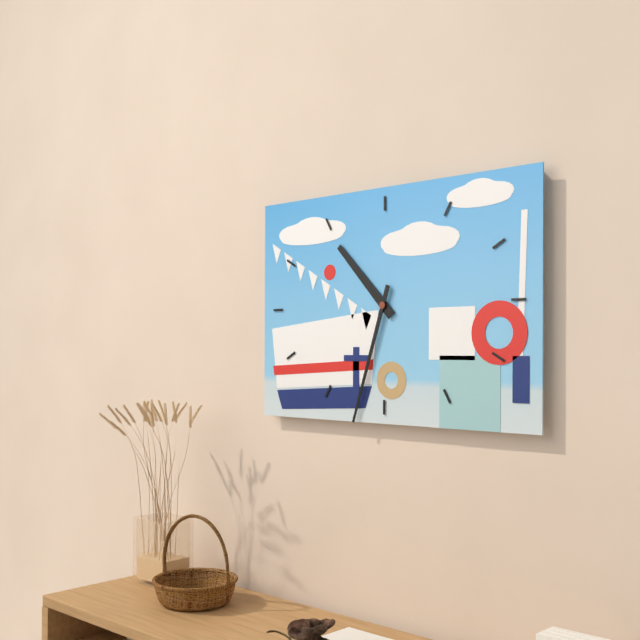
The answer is 10:33
